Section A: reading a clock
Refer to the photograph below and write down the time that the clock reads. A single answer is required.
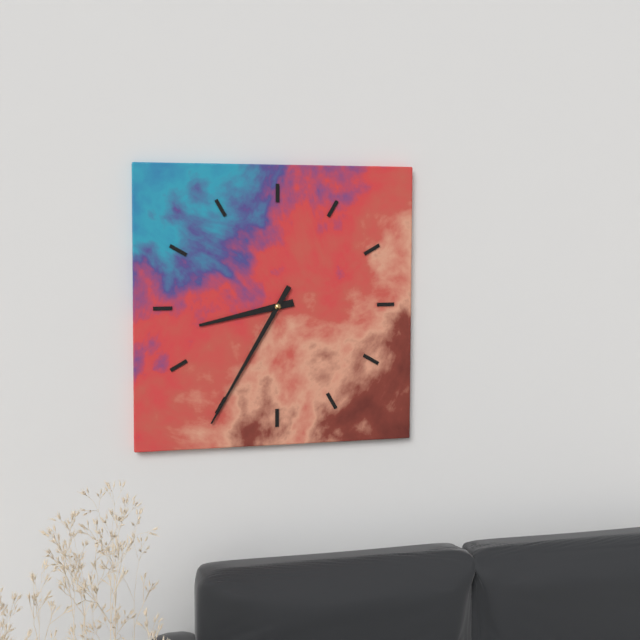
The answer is 8:35
